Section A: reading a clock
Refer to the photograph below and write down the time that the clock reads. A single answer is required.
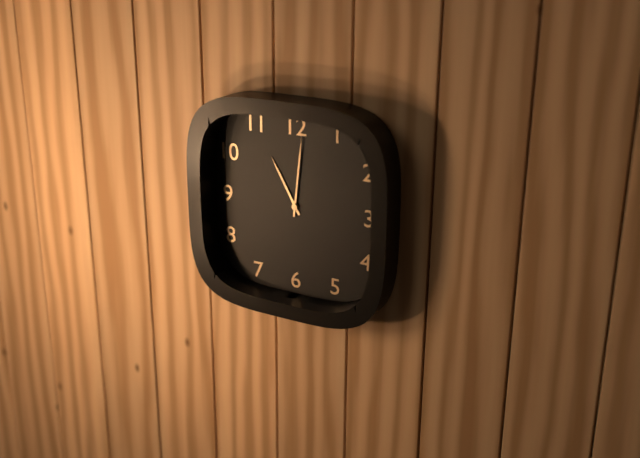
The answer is 11:01
